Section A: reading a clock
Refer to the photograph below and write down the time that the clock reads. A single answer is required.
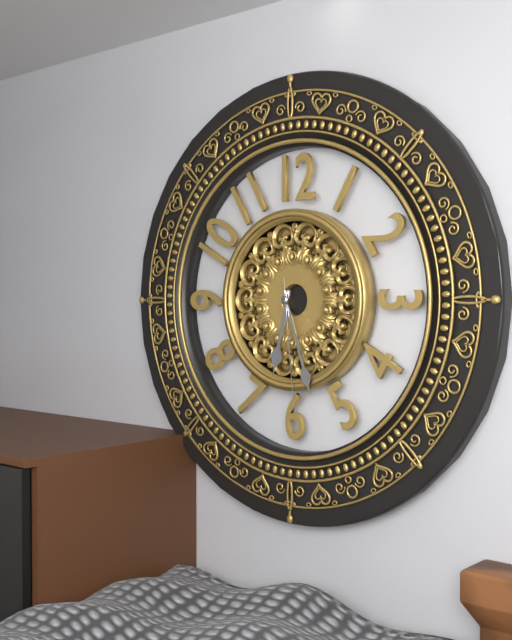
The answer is 6:27:29
